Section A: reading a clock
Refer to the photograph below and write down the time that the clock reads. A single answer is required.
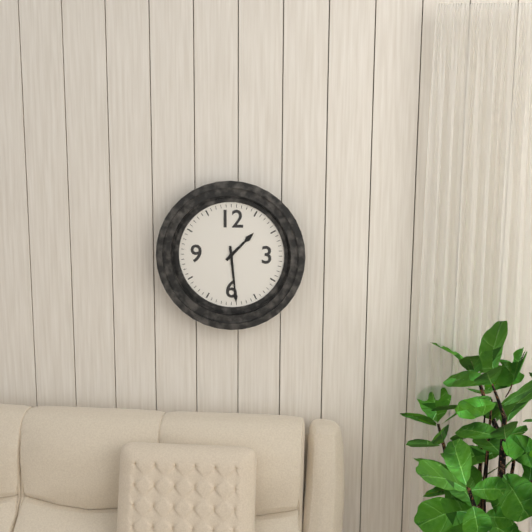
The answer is 1:29
